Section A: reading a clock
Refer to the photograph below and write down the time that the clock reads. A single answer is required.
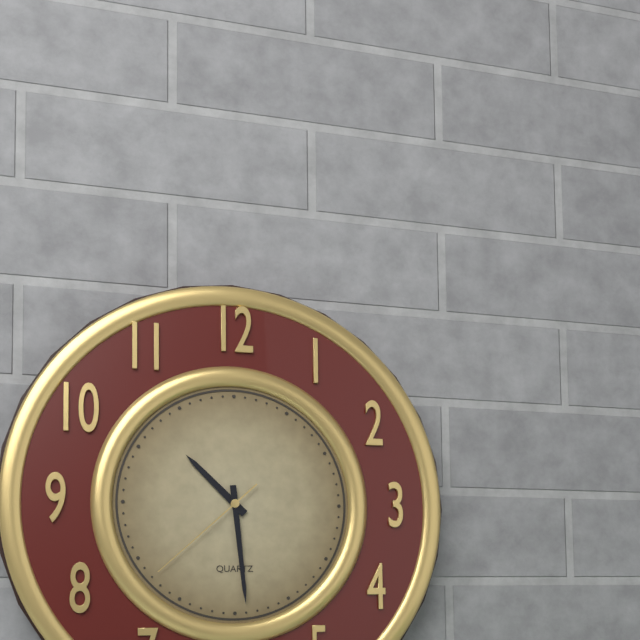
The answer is 10:29:38
